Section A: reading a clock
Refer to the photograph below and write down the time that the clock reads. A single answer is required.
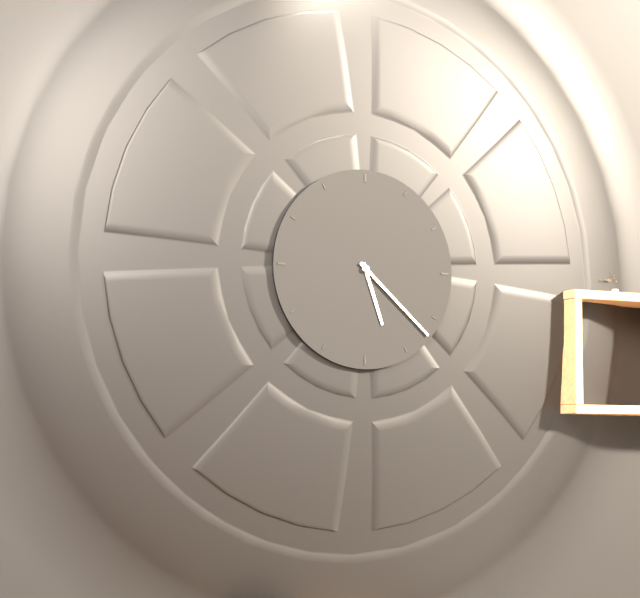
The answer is 5:22
